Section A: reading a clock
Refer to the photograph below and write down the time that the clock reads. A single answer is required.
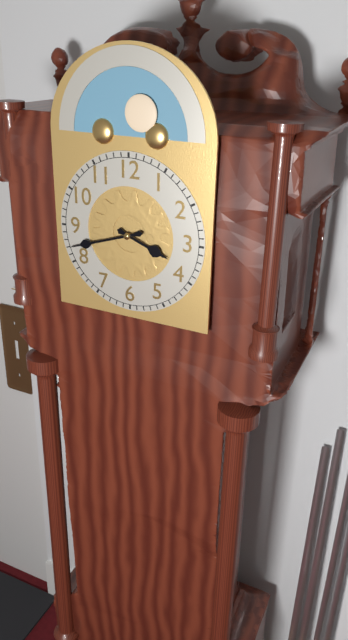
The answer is 3:42
